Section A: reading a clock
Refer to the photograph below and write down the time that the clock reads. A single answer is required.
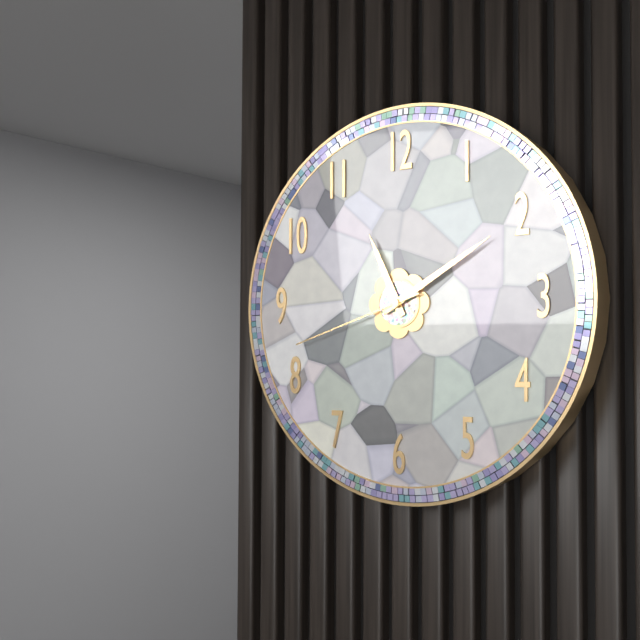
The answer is 11:10:42
